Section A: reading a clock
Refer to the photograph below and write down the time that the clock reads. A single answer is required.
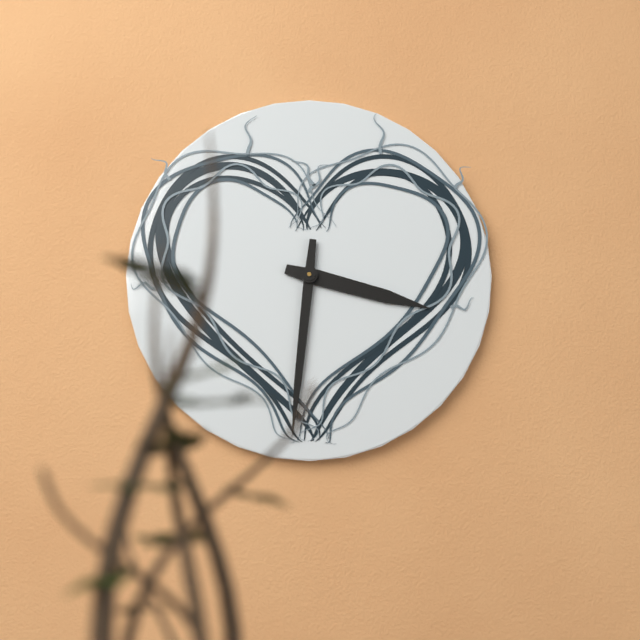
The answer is 3:31
